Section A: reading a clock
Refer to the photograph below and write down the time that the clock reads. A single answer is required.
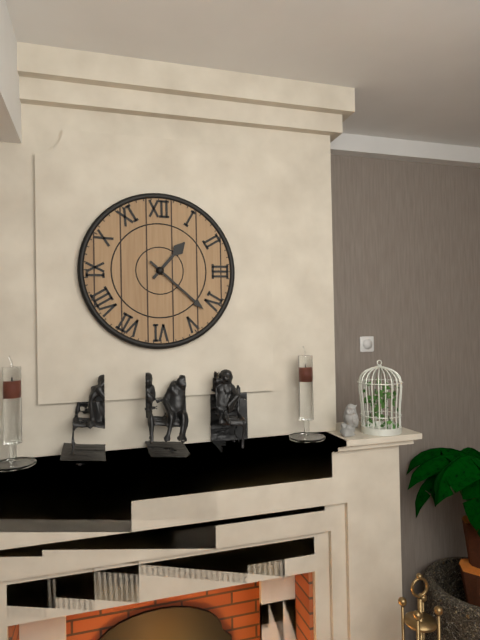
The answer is 1:22
